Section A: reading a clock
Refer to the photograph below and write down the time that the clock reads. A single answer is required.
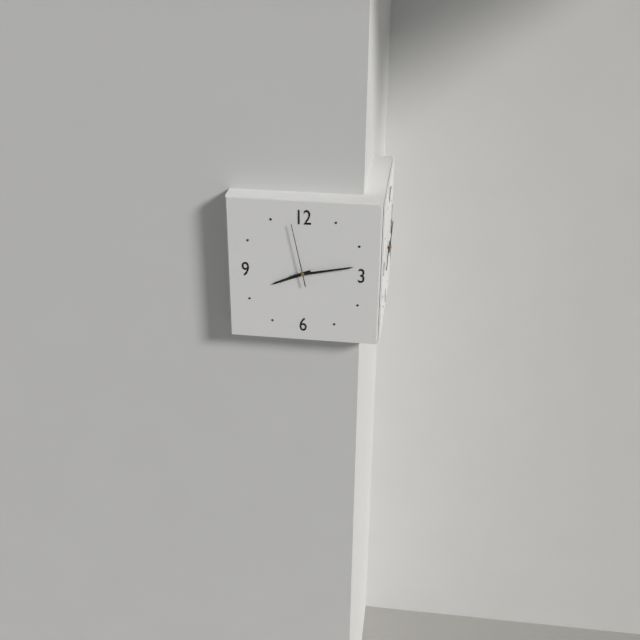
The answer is 8:13:58
